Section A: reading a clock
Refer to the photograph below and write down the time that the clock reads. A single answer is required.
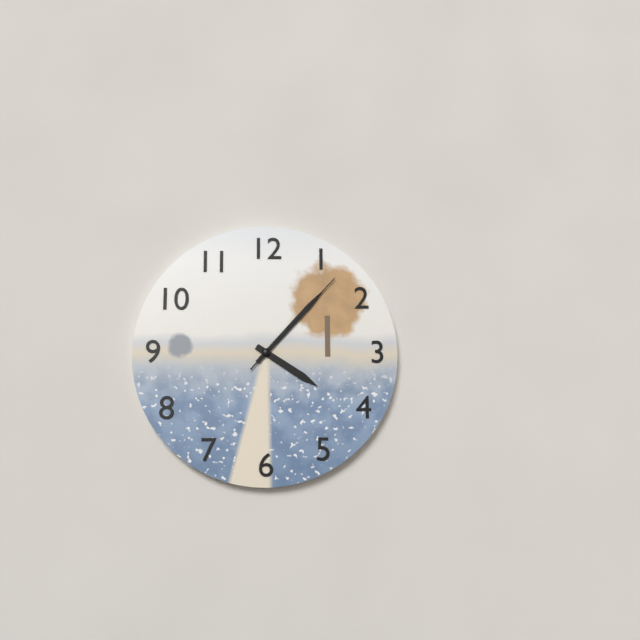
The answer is 4:07:07
